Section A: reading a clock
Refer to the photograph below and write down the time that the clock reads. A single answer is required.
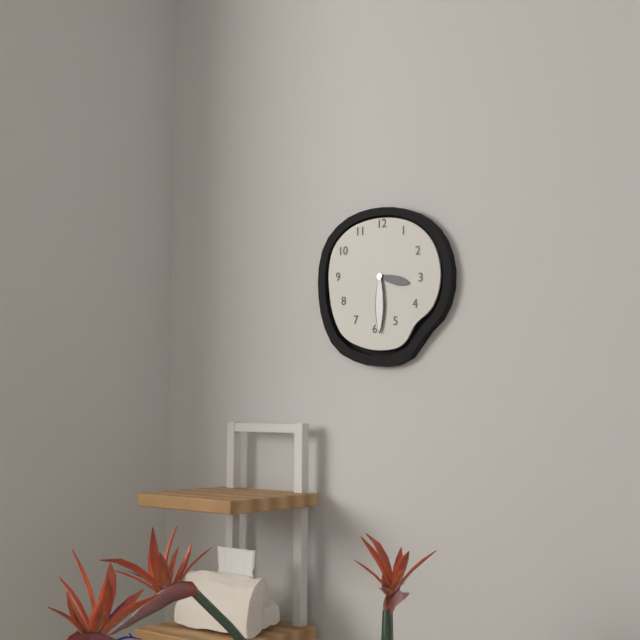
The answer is 3:30
